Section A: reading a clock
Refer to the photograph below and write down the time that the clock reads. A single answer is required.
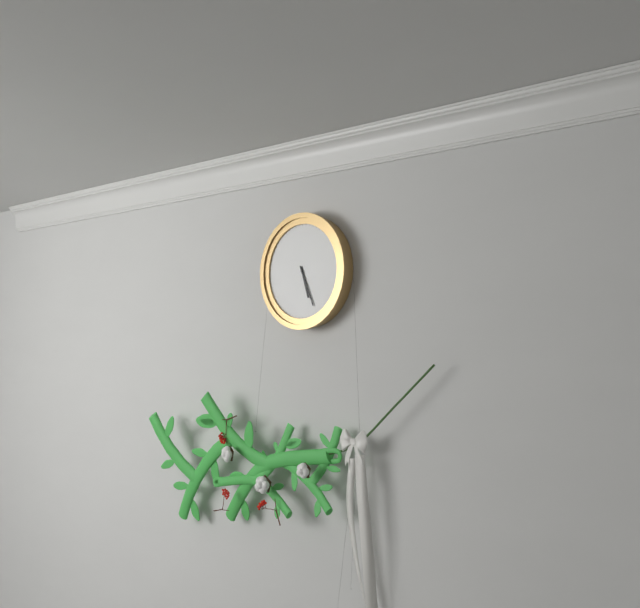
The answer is 5:26
